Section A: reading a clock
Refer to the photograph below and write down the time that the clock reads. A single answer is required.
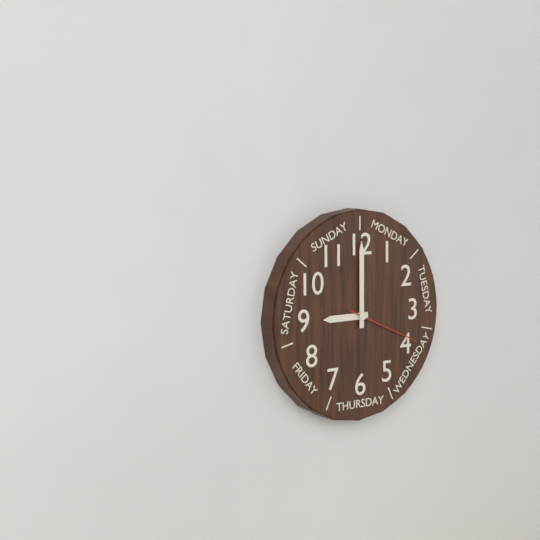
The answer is 9:00:19
